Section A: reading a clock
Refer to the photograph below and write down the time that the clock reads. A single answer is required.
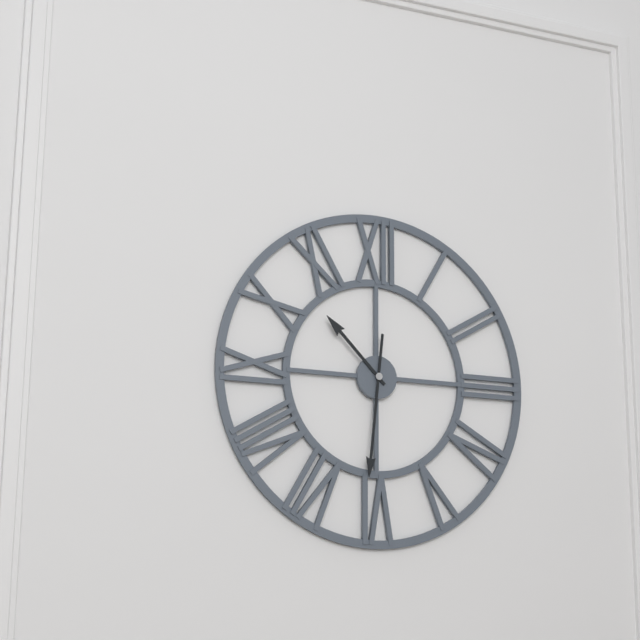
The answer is 10:31
